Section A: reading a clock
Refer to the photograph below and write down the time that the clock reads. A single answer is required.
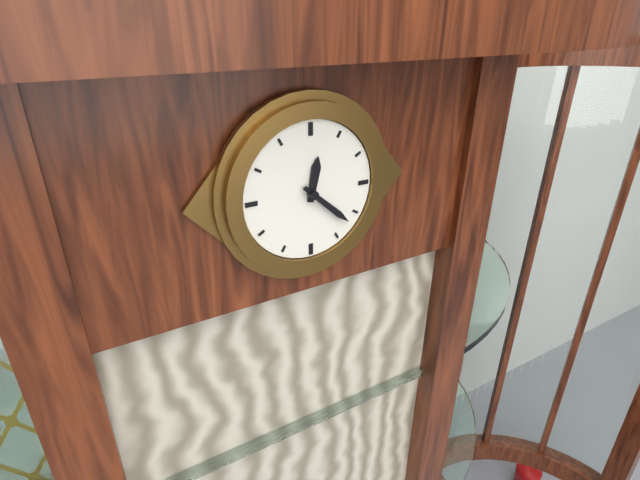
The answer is 12:22
